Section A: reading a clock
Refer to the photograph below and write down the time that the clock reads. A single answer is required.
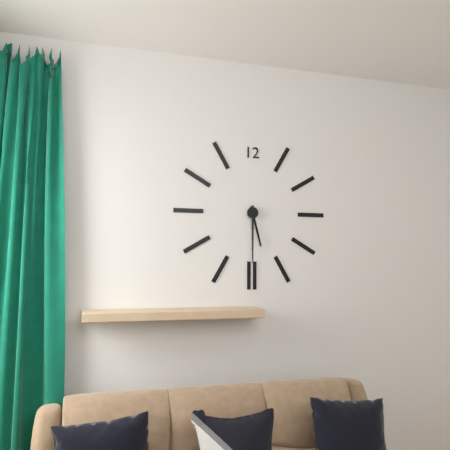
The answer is 5:30
